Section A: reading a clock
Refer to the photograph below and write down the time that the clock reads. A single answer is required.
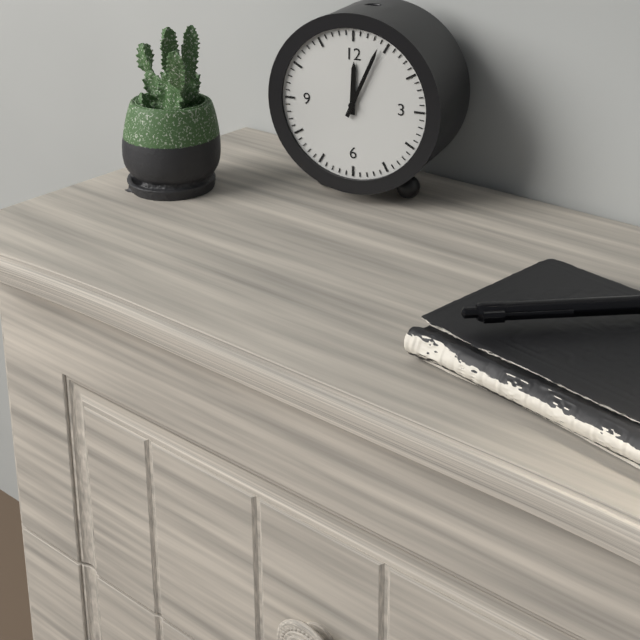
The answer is 12:04
